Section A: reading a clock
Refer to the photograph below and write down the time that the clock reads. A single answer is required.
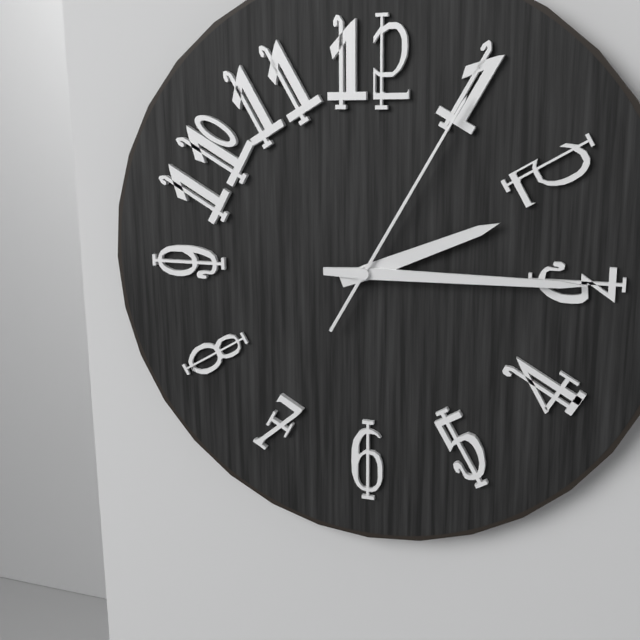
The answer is 2:15:05
